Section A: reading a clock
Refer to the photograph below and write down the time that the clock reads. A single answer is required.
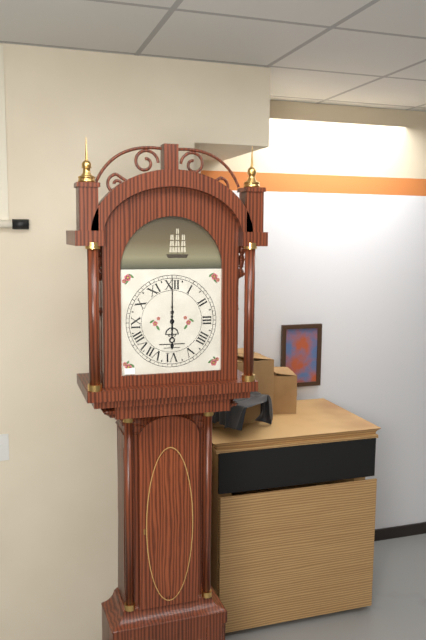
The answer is 6:00
